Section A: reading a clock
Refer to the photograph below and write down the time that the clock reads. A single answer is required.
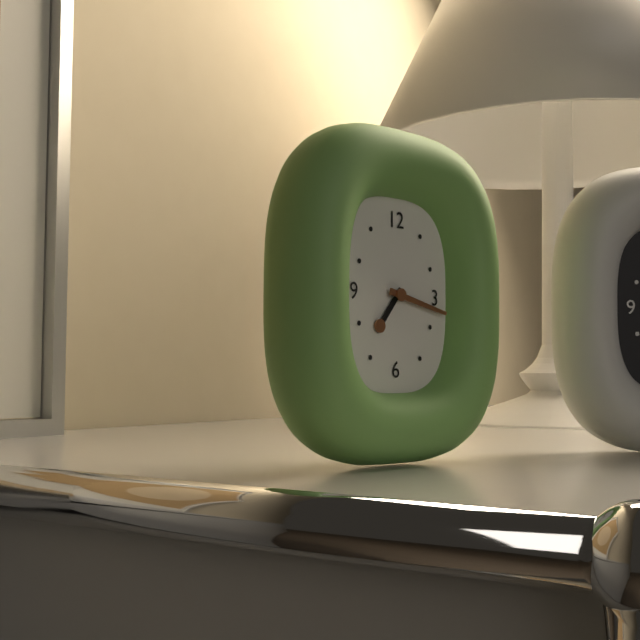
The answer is 7:17
